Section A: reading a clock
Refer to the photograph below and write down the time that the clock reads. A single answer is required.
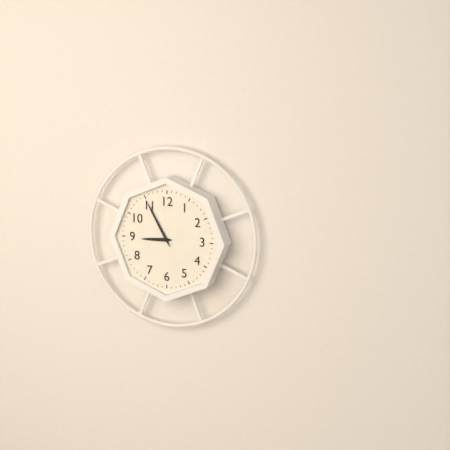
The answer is 8:55
